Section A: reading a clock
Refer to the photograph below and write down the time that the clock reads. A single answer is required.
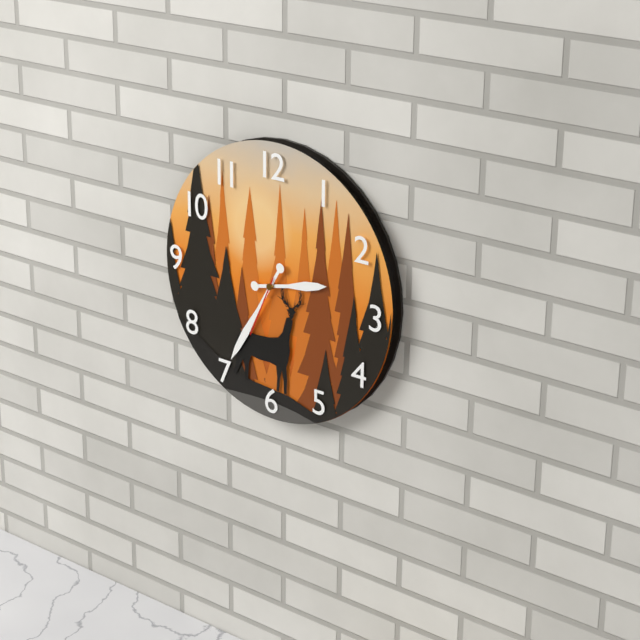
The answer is 2:35:34
